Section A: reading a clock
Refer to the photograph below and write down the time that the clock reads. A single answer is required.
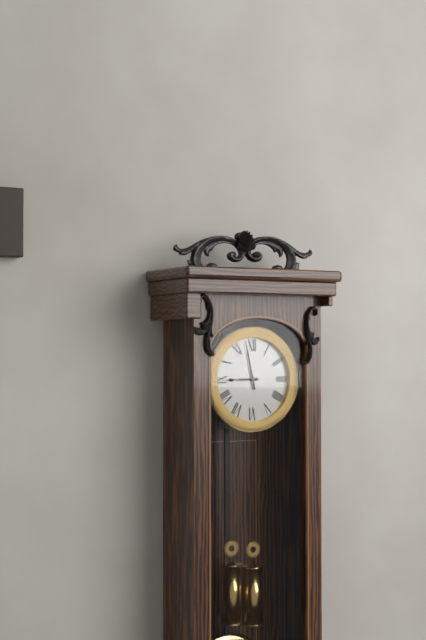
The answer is 8:58
